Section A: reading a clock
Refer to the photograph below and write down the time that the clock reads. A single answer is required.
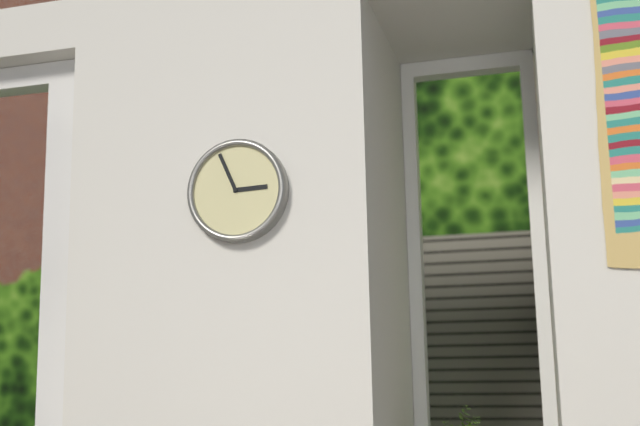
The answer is 2:56
